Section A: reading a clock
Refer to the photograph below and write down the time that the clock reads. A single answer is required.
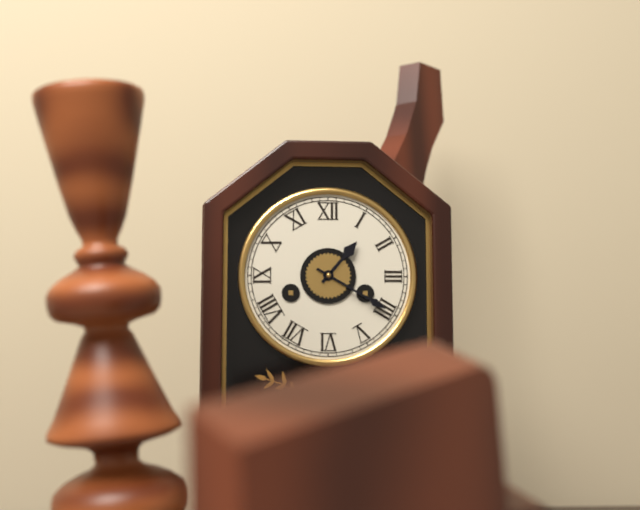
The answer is 1:20
